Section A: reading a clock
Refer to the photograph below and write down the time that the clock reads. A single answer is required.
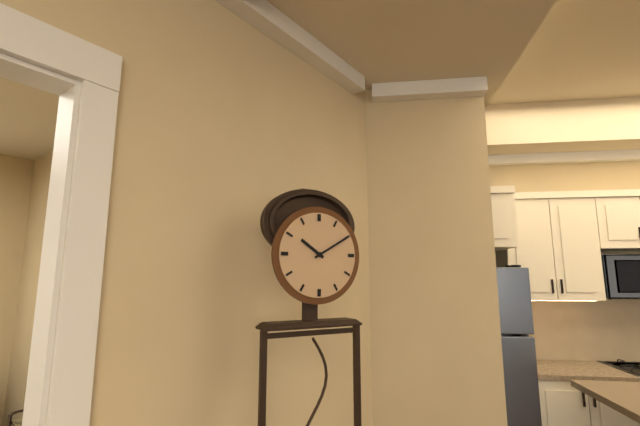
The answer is 10:10
